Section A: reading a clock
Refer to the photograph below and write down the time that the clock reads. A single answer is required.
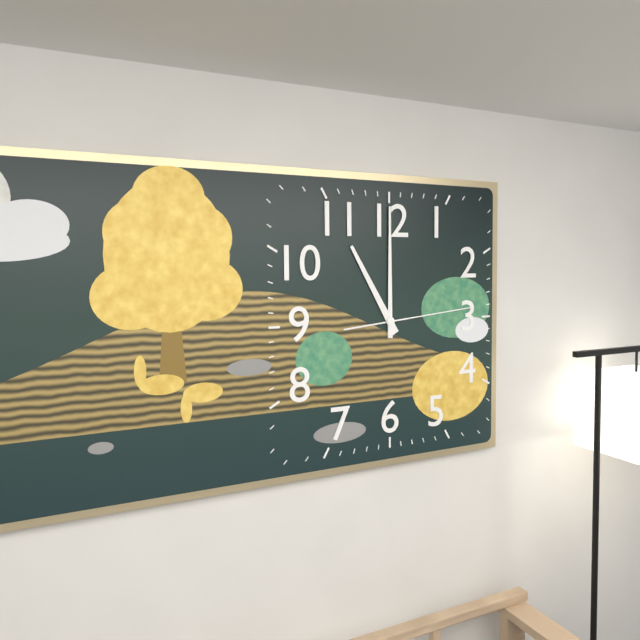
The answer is 11:00:14
